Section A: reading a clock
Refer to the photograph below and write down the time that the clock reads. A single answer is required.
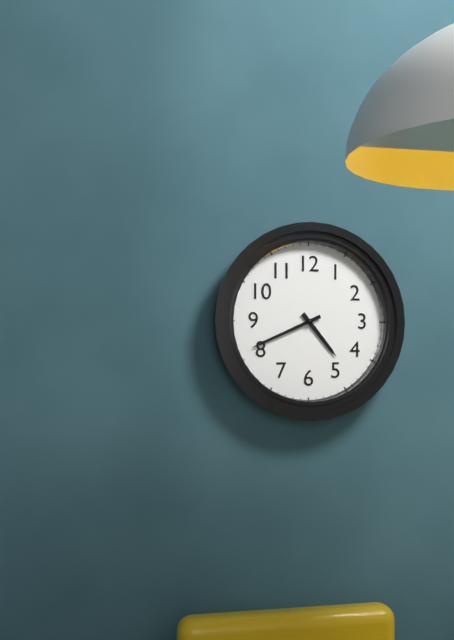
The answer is 4:41
